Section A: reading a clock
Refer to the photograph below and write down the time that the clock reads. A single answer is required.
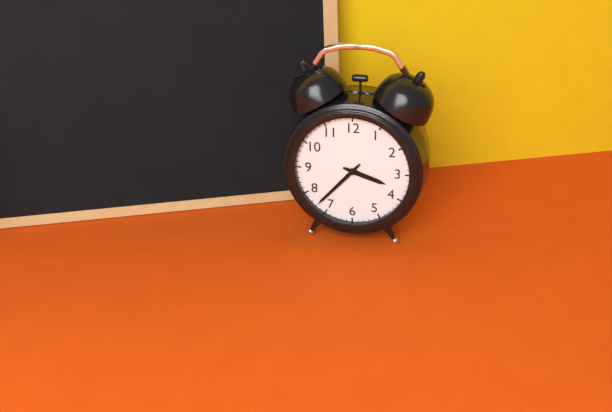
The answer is 3:37
